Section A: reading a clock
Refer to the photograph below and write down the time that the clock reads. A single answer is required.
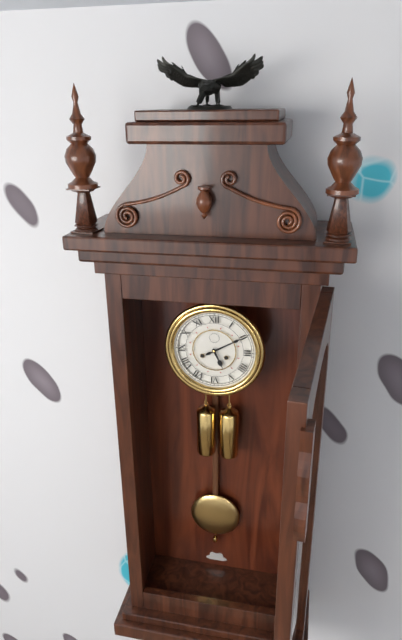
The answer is 5:10
